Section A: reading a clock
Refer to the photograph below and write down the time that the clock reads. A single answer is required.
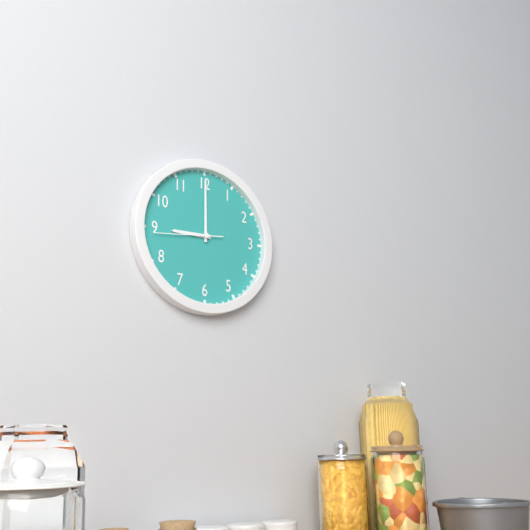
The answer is 9:00:44
